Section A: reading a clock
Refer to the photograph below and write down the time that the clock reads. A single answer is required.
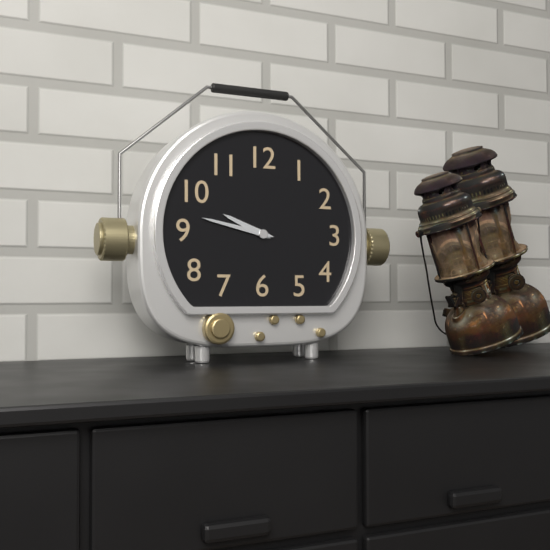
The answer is 9:47
